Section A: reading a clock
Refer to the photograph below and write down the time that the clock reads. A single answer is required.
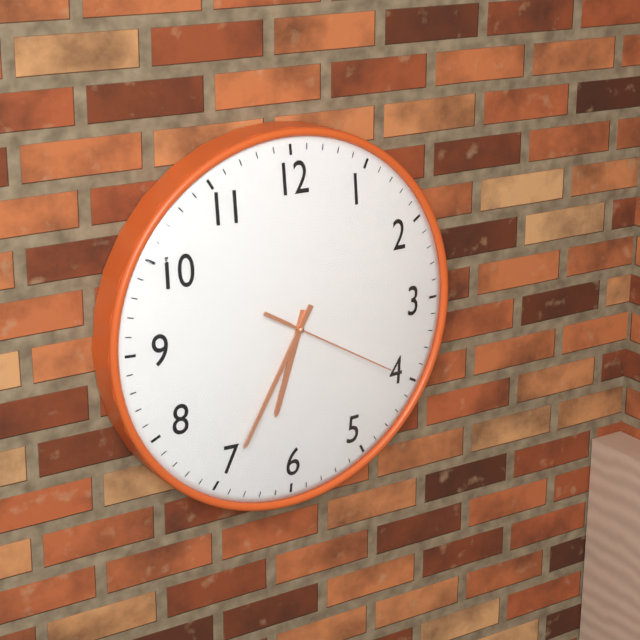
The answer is 6:35:20
